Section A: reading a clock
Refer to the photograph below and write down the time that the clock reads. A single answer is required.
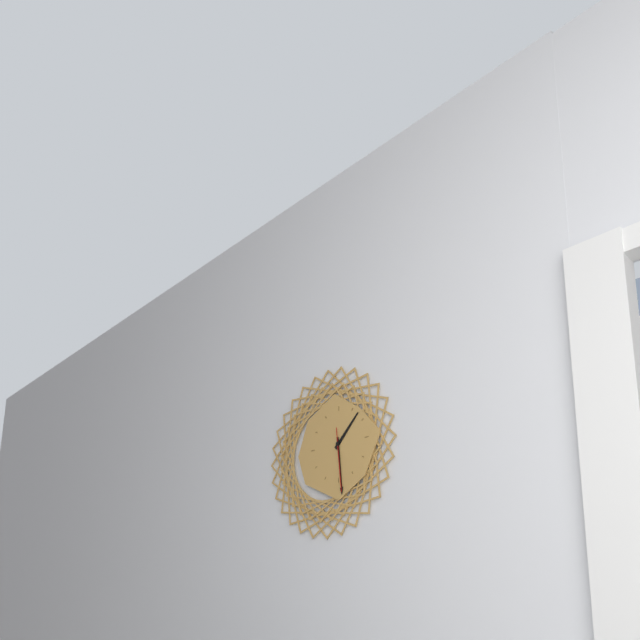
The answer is 1:29:29
